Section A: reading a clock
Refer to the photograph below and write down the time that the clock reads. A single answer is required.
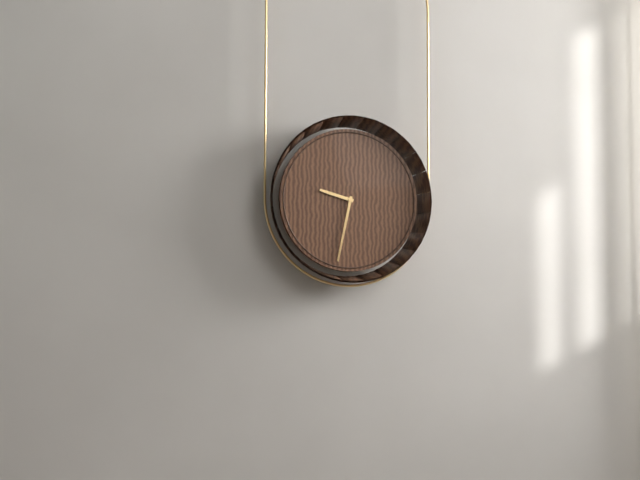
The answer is 9:32
